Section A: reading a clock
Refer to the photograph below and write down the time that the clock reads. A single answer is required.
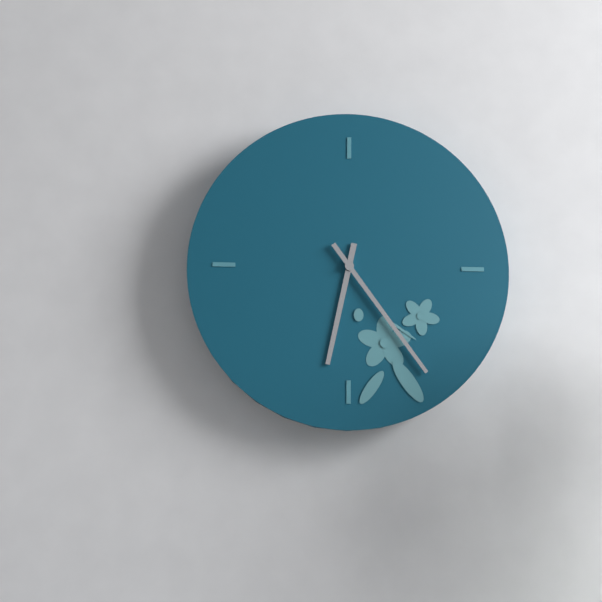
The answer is 6:24
